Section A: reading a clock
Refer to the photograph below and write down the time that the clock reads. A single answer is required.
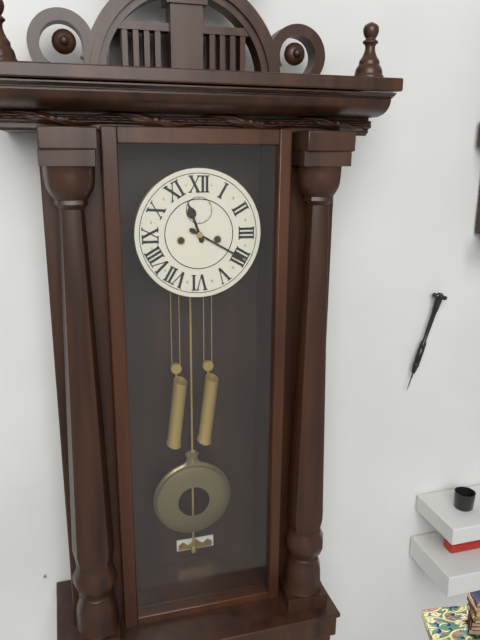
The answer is 11:20
